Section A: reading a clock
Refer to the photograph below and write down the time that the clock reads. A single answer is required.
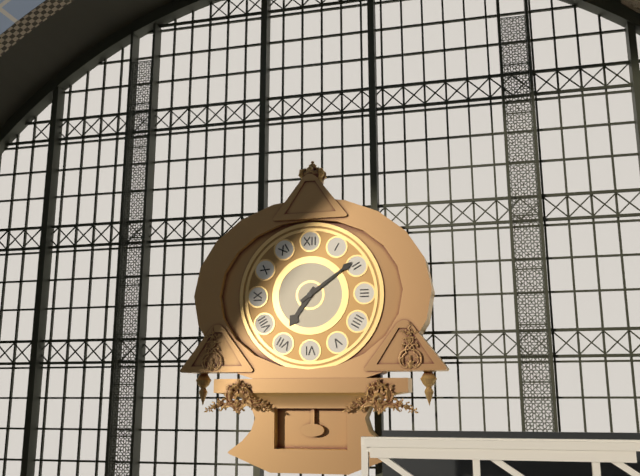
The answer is 7:09
